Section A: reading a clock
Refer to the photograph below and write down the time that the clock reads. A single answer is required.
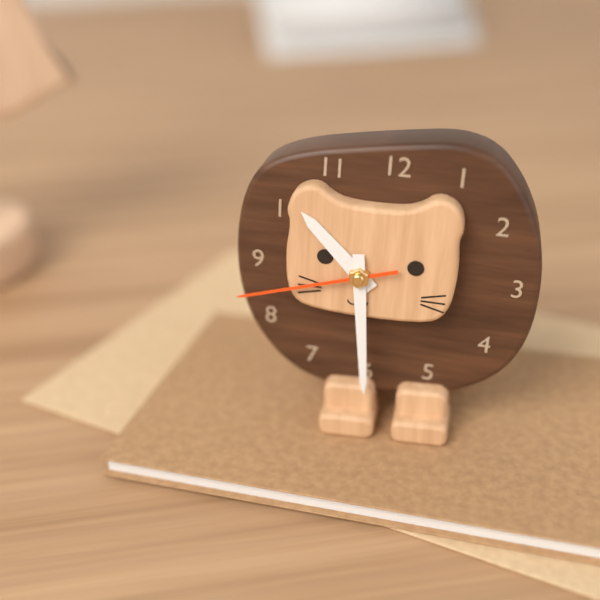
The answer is 10:29:42
